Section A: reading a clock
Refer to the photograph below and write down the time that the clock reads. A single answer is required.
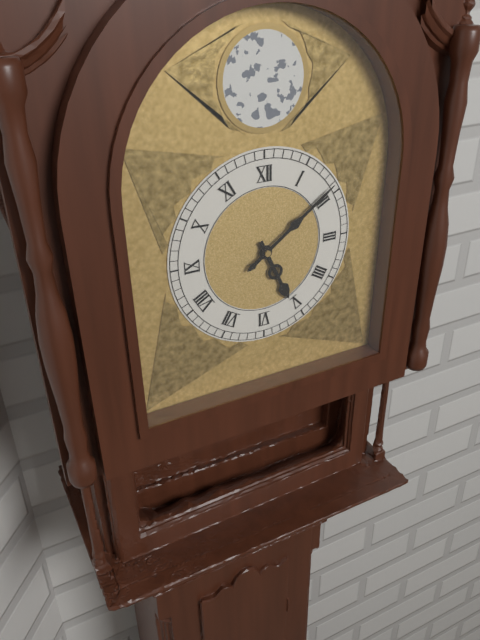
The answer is 5:09
